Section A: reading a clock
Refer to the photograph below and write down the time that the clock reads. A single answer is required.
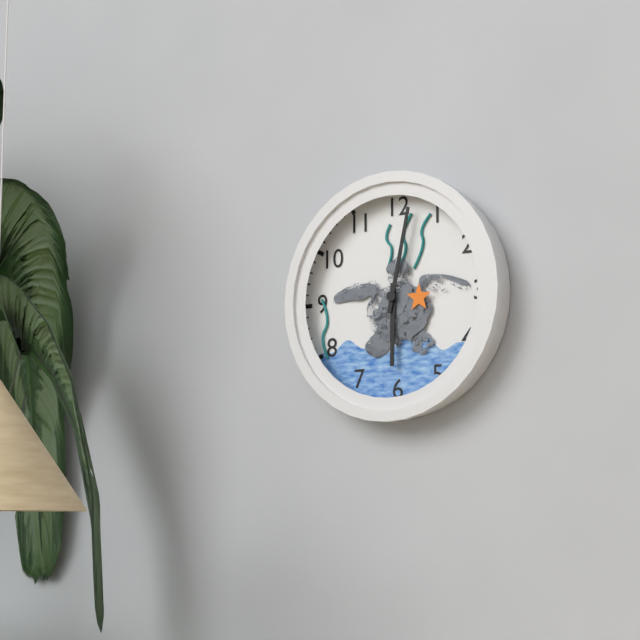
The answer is 6:02
